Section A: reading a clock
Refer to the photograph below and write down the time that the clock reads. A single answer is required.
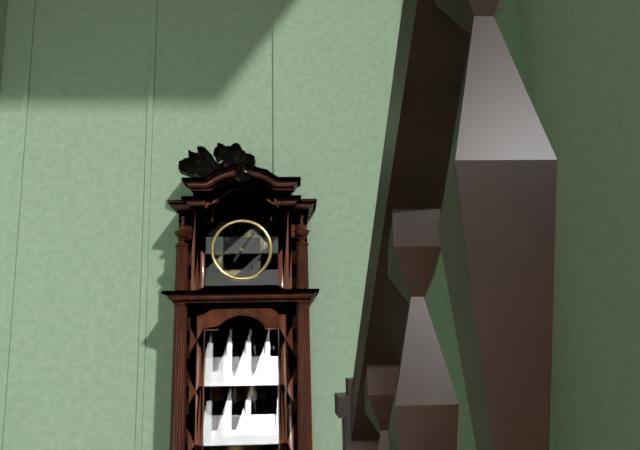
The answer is 7:06
